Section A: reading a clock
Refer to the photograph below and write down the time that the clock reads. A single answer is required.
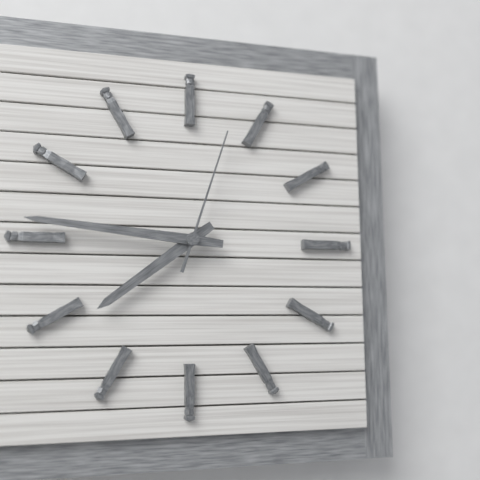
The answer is 7:46:03
